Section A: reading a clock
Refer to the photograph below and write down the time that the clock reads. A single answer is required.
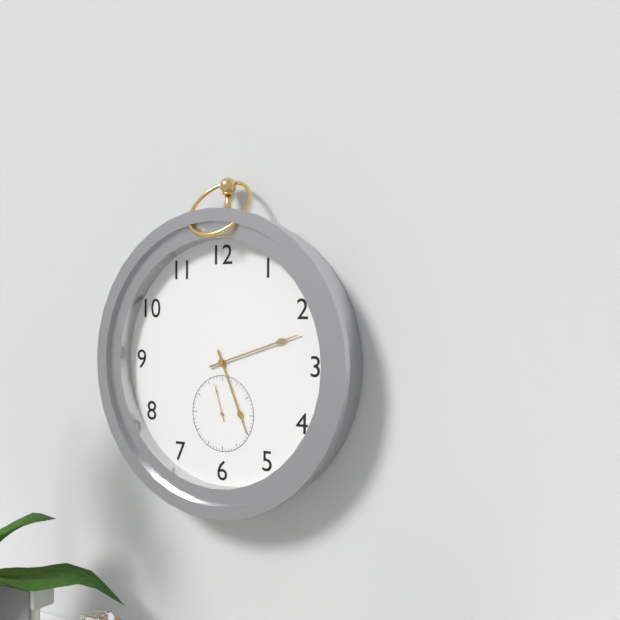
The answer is 5:12
